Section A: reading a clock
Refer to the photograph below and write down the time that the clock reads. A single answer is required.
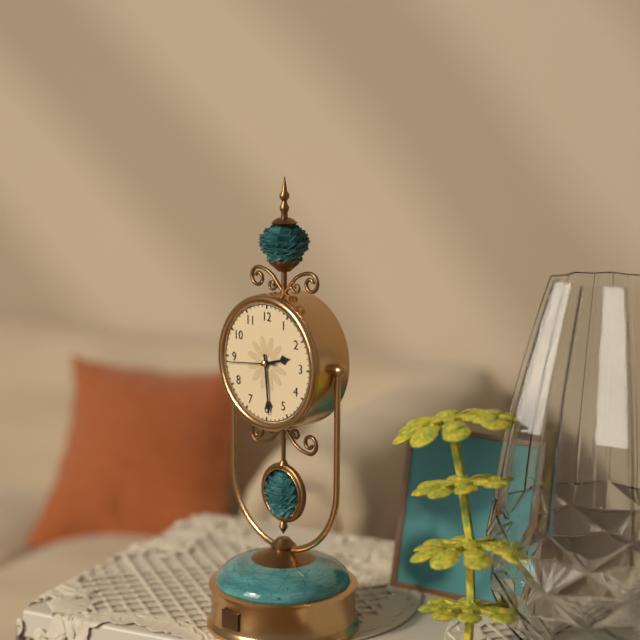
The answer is 2:29
